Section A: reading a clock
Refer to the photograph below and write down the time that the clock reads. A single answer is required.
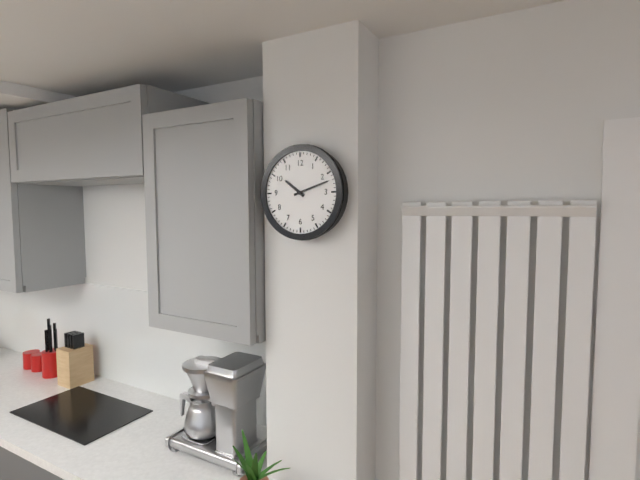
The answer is 10:12
